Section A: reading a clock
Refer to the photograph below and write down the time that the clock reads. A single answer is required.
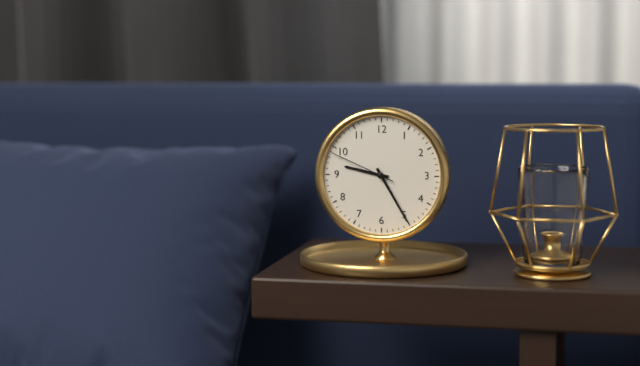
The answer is 9:25:49
